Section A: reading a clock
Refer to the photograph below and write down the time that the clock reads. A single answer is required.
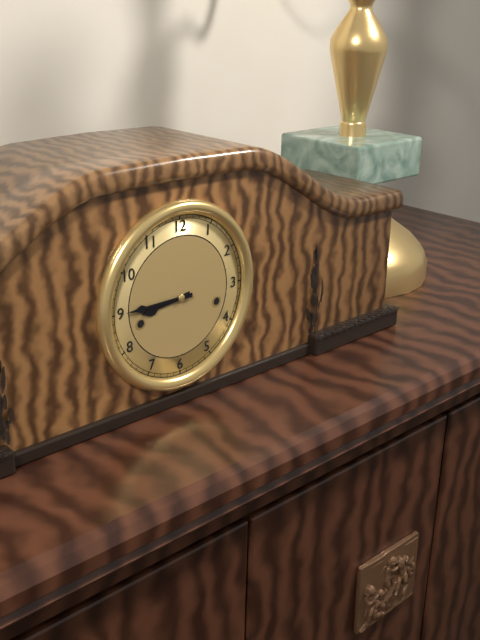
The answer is 8:45
